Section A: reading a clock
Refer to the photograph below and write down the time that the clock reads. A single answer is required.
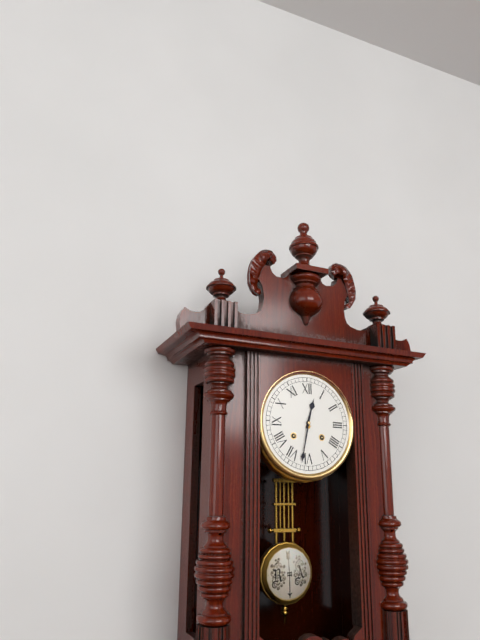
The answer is 12:32
